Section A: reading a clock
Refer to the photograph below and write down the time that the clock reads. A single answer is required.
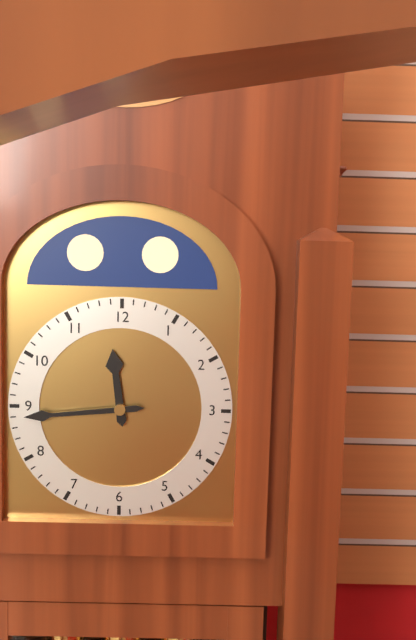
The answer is 11:44
